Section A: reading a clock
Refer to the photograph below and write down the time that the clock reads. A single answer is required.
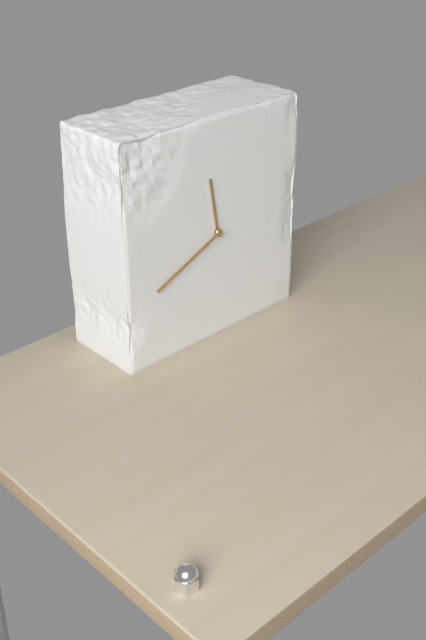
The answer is 11:41
